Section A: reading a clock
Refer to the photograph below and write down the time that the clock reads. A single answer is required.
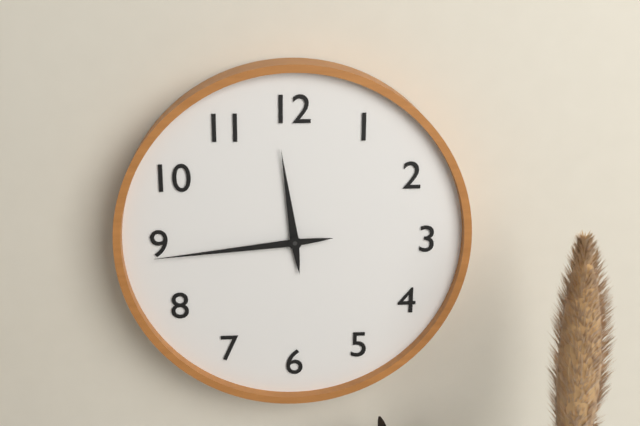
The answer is 11:44
